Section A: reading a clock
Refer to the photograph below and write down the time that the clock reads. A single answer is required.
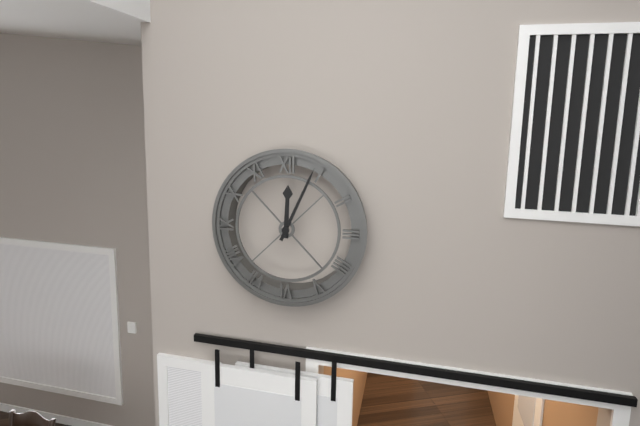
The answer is 12:04
